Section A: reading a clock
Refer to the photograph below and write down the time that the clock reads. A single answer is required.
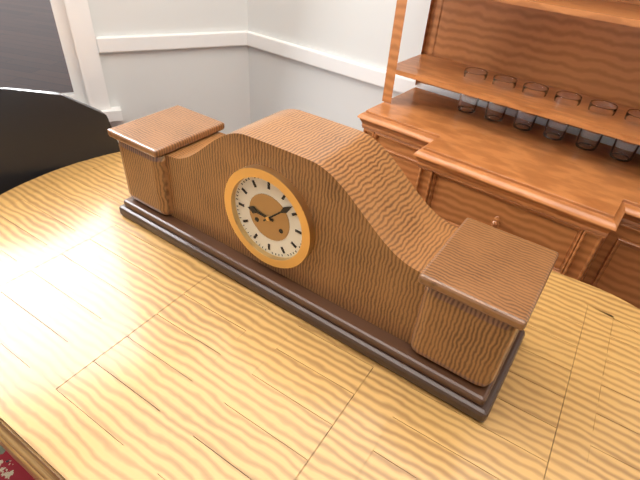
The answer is 9:08
